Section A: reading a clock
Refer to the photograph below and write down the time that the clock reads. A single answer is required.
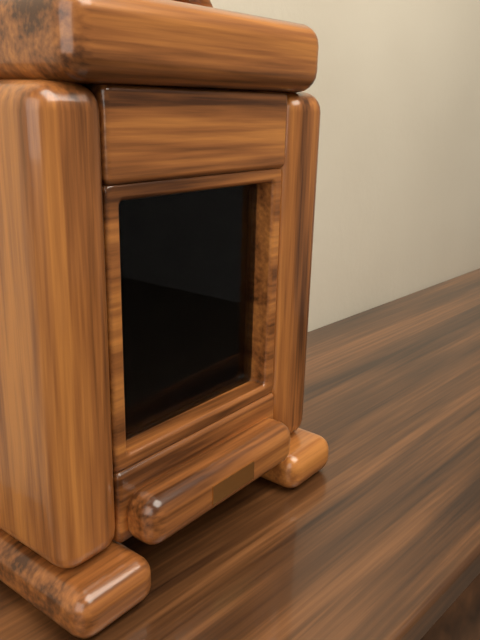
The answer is 1:19:40
